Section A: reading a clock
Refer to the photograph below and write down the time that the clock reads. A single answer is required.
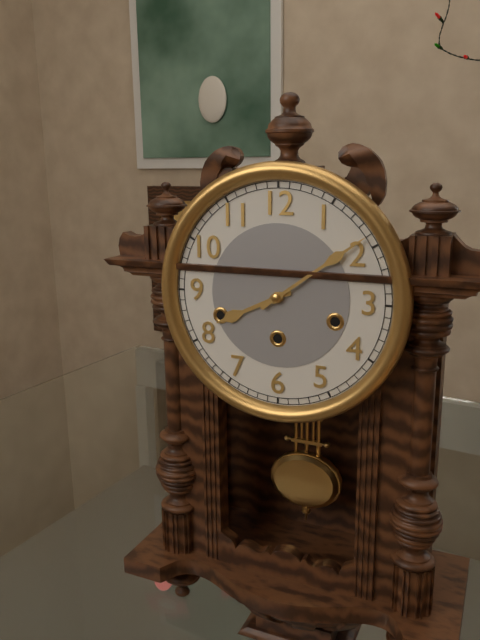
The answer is 8:09
